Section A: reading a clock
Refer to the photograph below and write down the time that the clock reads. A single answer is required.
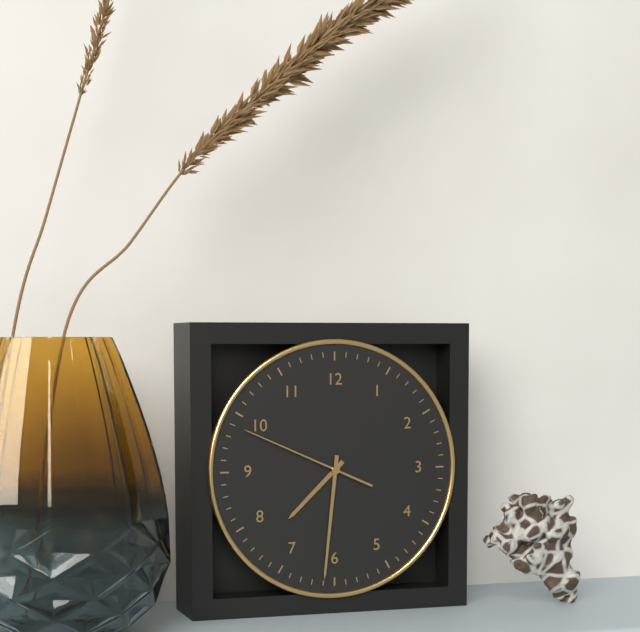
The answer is 7:31:49
